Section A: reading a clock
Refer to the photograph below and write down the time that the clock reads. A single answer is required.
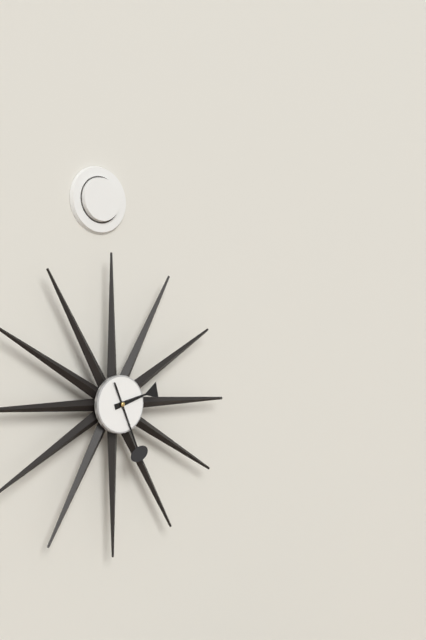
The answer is 2:26
